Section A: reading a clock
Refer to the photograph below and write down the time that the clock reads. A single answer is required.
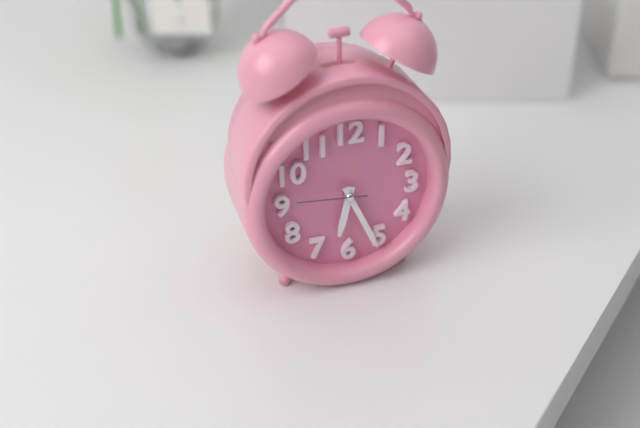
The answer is 6:26:46
